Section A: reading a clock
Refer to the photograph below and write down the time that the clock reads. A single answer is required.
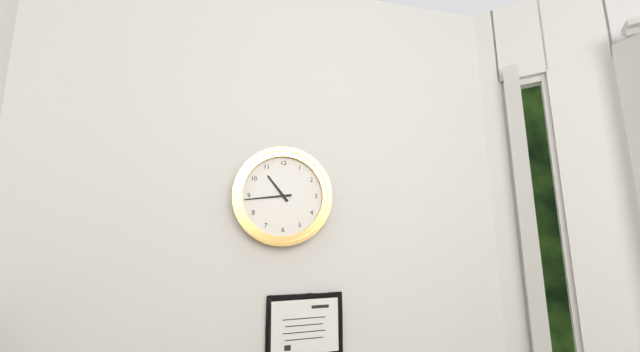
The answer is 10:44
